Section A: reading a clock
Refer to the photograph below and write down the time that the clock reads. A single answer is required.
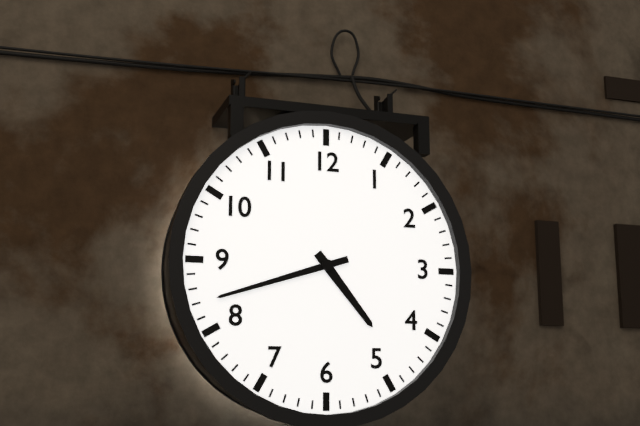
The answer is 4:42
